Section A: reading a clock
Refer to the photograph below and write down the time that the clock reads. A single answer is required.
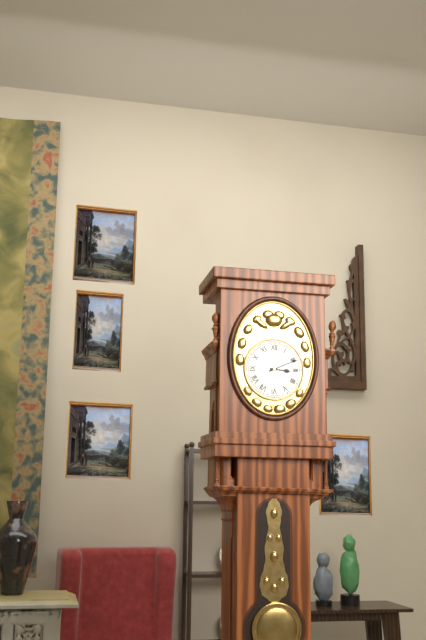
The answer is 3:11
